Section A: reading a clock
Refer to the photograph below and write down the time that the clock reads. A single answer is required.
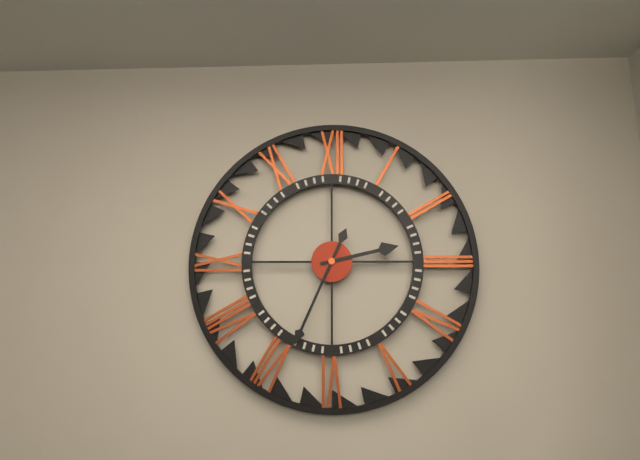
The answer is 2:34
